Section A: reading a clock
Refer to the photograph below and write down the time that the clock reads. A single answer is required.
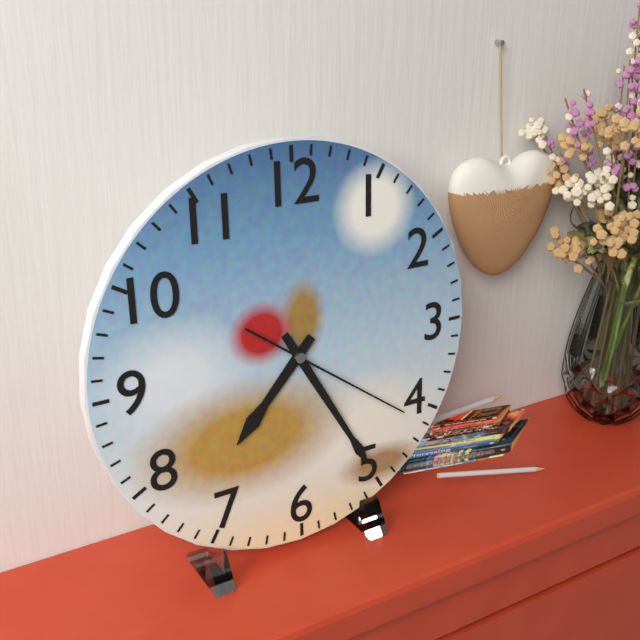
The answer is 7:25:21
